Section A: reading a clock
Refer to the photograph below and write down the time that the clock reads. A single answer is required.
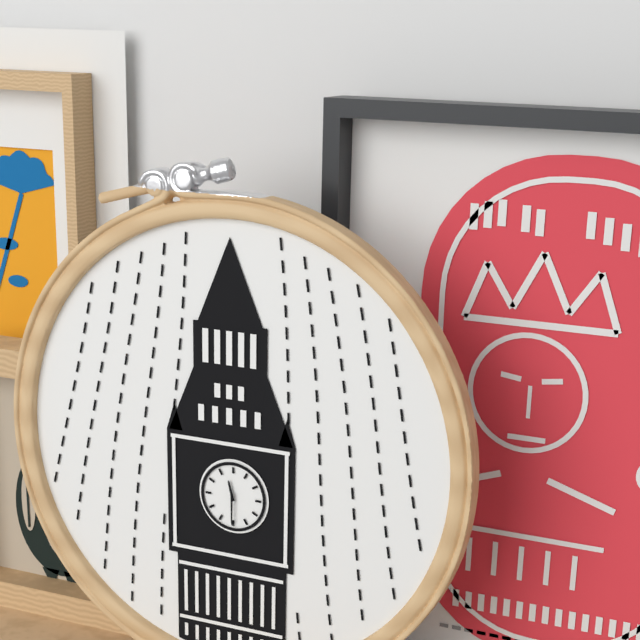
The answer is 11:30
